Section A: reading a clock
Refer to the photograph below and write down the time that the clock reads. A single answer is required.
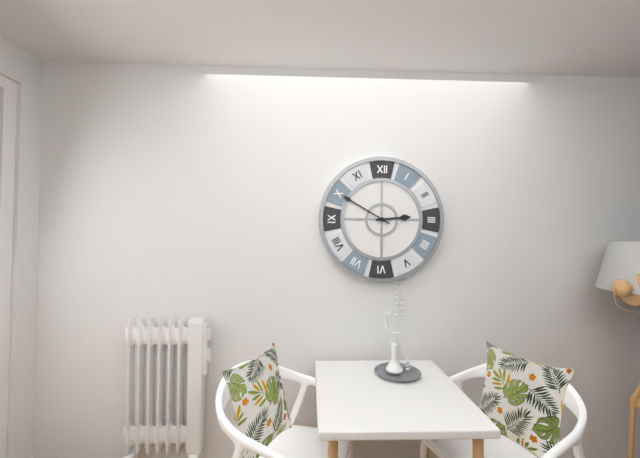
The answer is 2:50
